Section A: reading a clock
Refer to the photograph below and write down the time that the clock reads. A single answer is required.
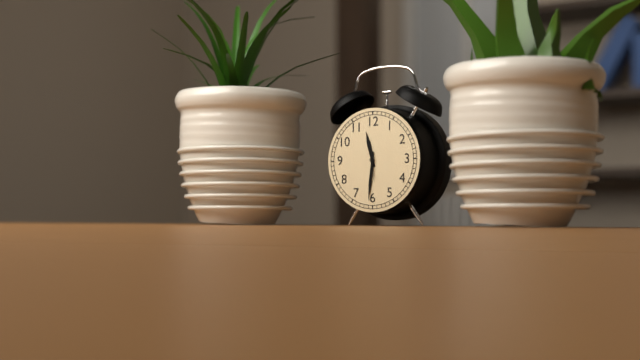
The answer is 11:31
